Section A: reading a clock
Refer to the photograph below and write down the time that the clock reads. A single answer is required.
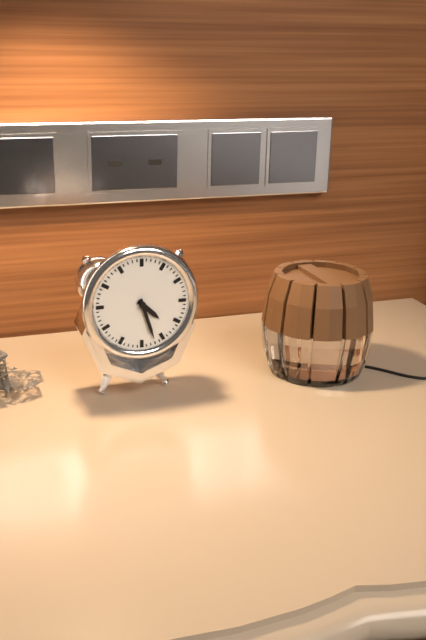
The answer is 4:27
